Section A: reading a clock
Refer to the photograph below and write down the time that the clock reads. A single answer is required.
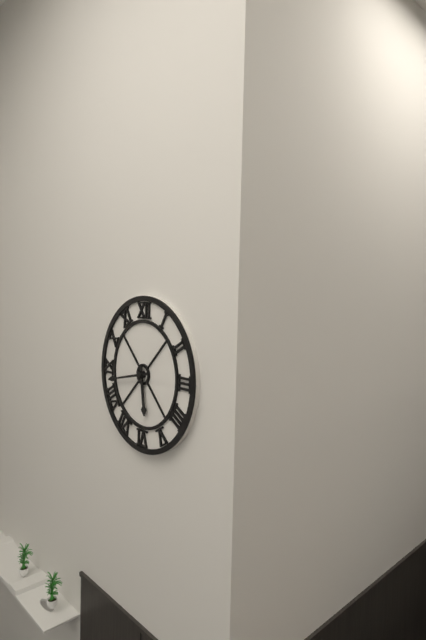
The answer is 5:43
